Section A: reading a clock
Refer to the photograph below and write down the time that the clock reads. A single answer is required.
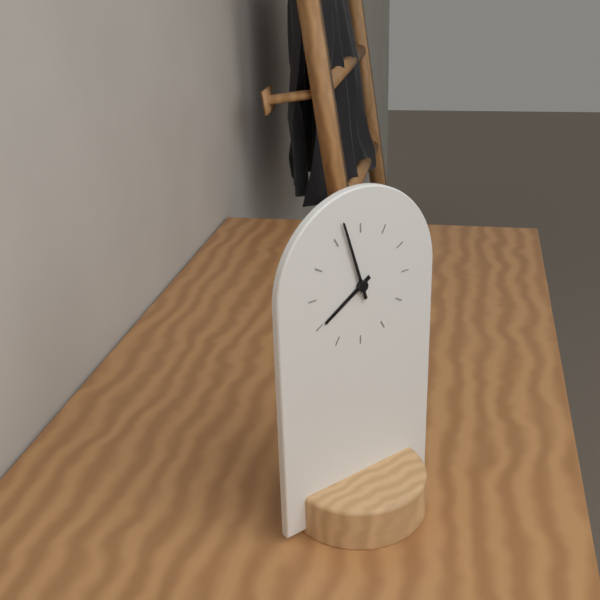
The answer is 7:57
